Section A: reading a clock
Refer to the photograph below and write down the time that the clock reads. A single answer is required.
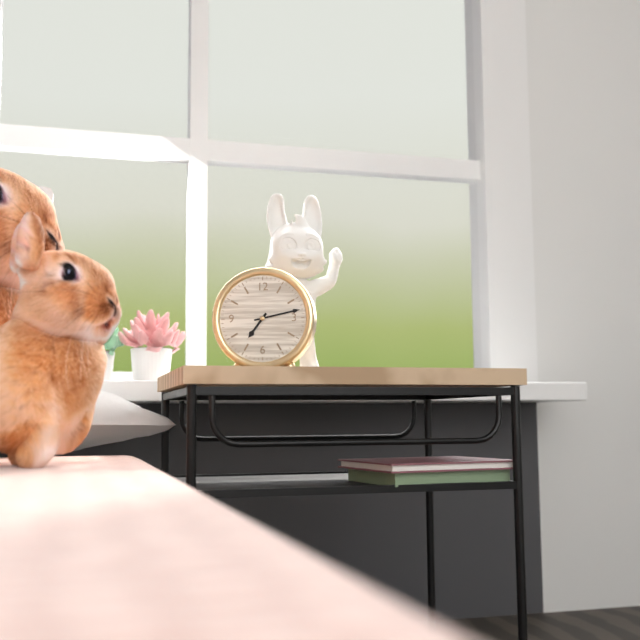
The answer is 7:13
